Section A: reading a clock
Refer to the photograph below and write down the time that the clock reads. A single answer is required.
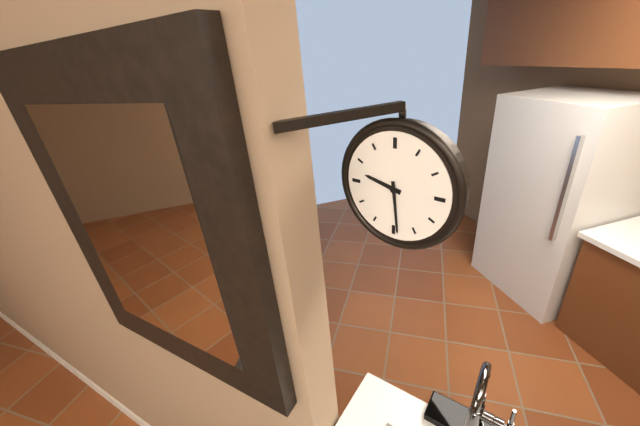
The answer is 9:29
